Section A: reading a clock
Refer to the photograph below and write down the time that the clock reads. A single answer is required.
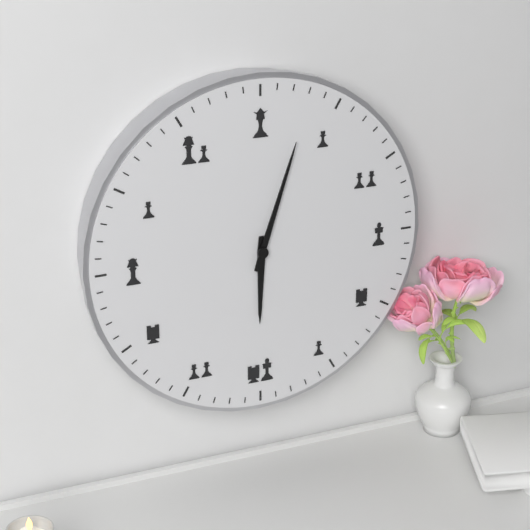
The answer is 6:03
